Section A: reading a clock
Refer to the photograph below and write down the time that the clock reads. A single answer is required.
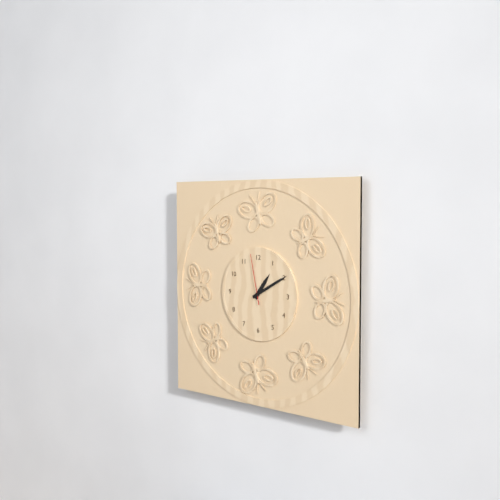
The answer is 1:10:58
